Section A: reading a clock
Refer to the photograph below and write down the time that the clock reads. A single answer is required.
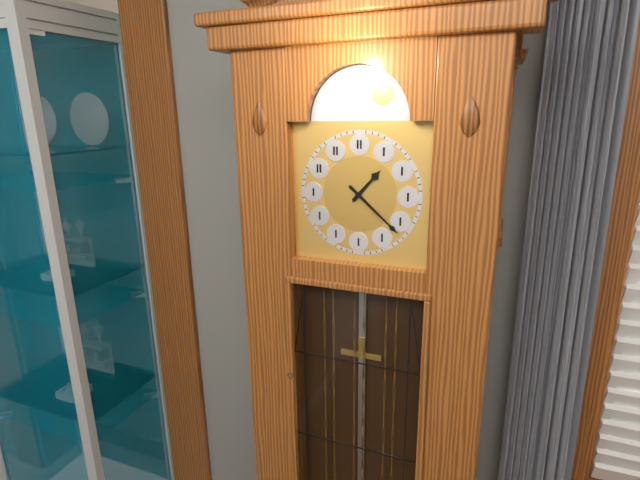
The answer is 1:22
